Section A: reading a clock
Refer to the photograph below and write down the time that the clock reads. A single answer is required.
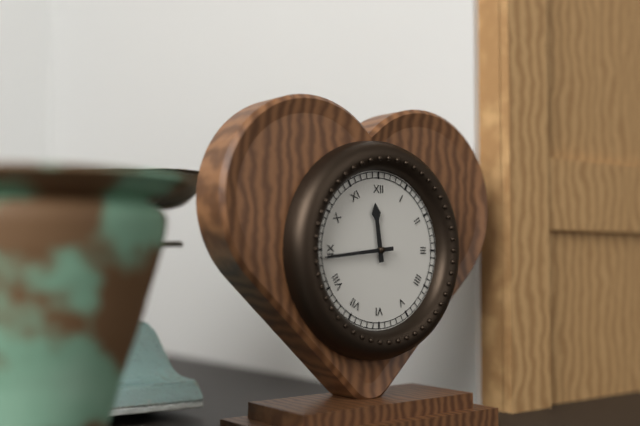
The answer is 11:44
